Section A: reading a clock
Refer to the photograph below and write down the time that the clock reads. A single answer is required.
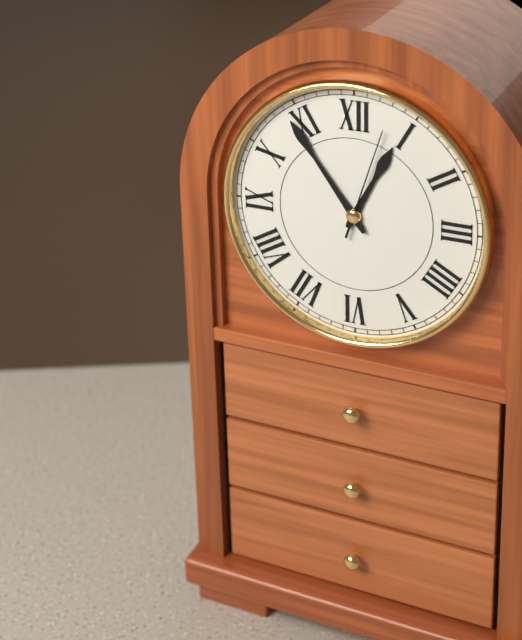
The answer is 12:54:03
